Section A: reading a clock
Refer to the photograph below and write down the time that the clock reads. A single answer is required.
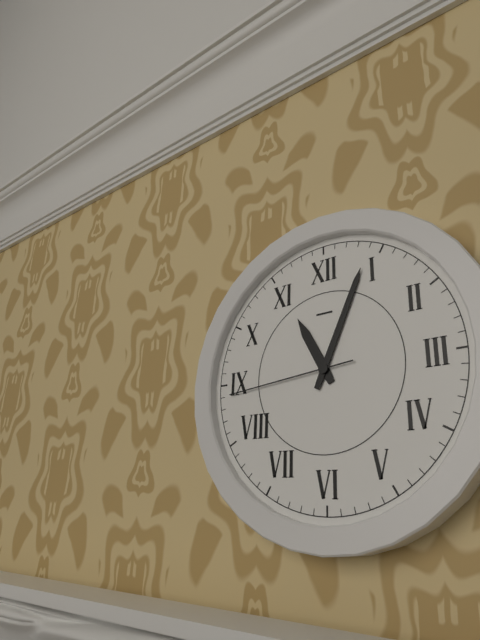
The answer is 11:04:44
